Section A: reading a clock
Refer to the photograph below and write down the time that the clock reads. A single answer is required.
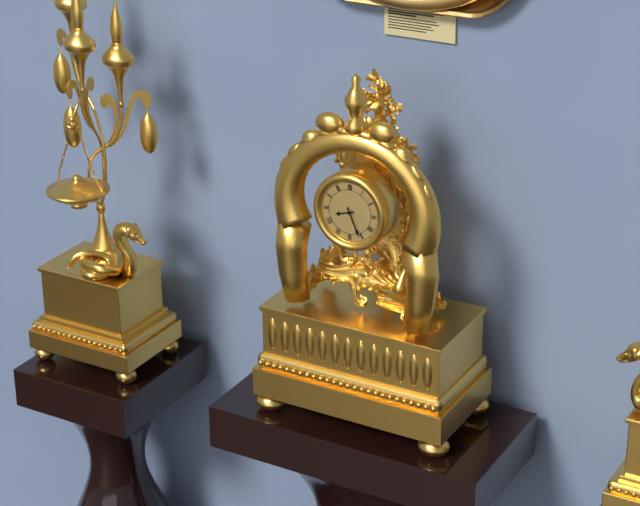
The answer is 8:26
